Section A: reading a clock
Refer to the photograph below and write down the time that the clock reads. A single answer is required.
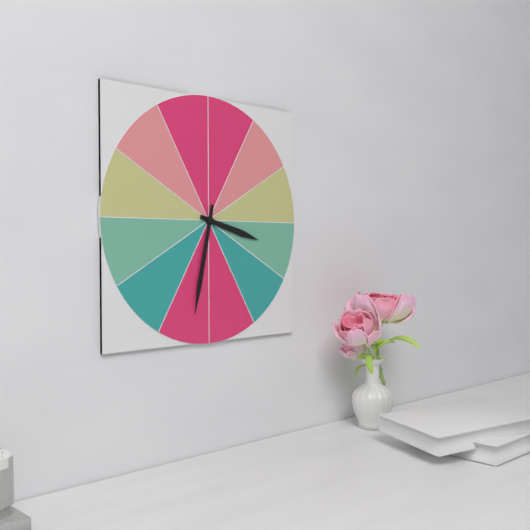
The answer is 3:32
